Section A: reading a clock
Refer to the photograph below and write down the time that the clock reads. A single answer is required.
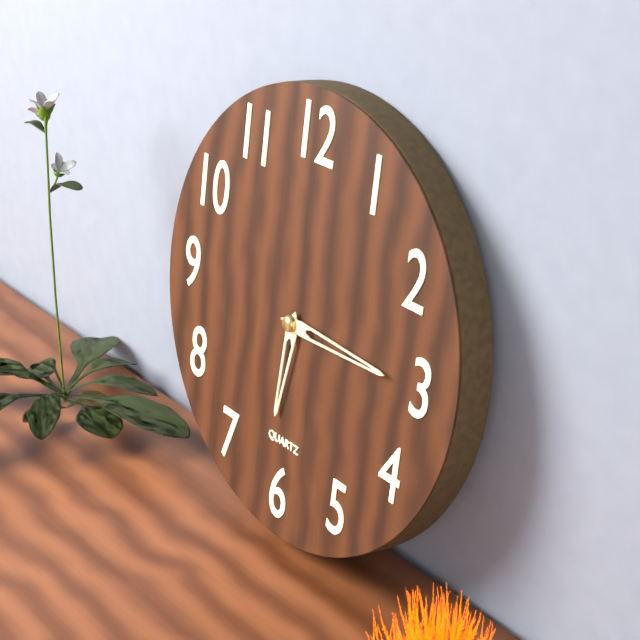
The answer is 6:15
